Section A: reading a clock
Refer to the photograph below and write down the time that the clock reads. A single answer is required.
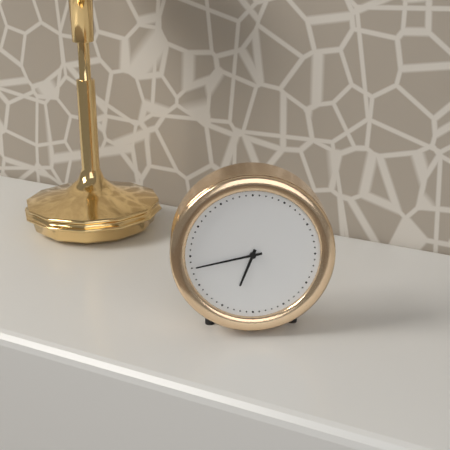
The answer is 6:43
